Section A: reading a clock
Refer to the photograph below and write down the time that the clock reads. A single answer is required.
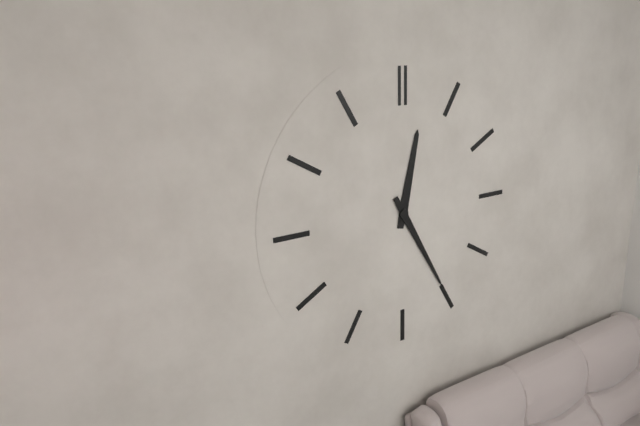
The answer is 12:25
